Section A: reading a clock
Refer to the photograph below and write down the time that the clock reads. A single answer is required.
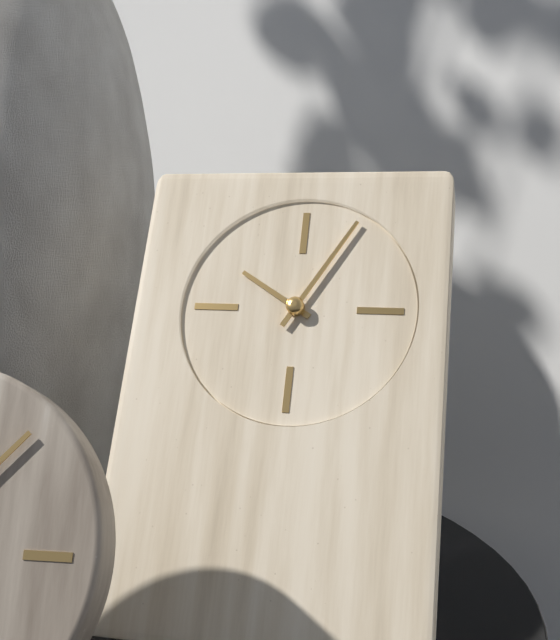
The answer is 10:05
